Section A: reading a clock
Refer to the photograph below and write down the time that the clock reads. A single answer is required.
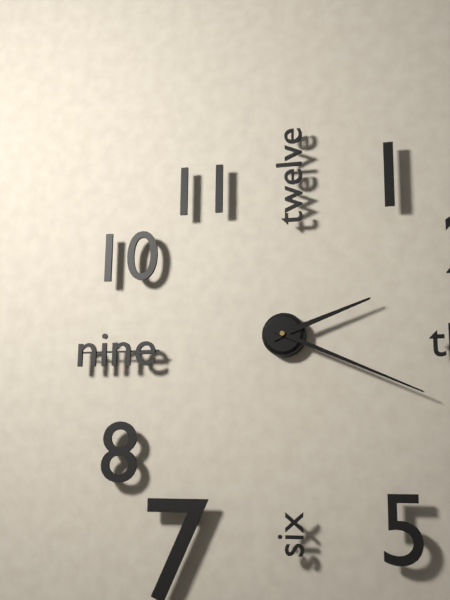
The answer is 2:19
